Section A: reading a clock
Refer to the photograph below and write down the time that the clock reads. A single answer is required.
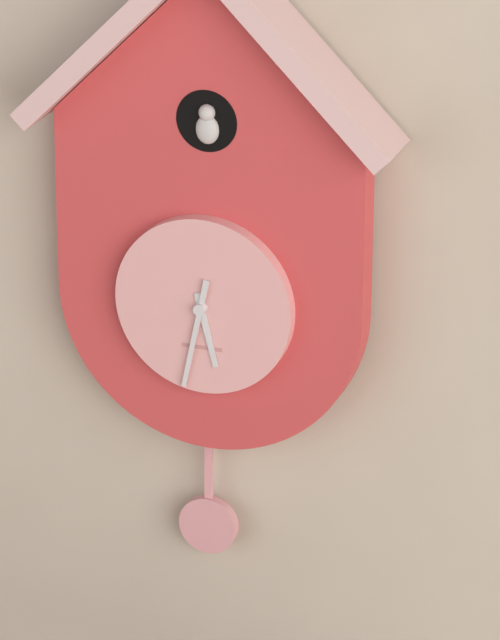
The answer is 5:32
